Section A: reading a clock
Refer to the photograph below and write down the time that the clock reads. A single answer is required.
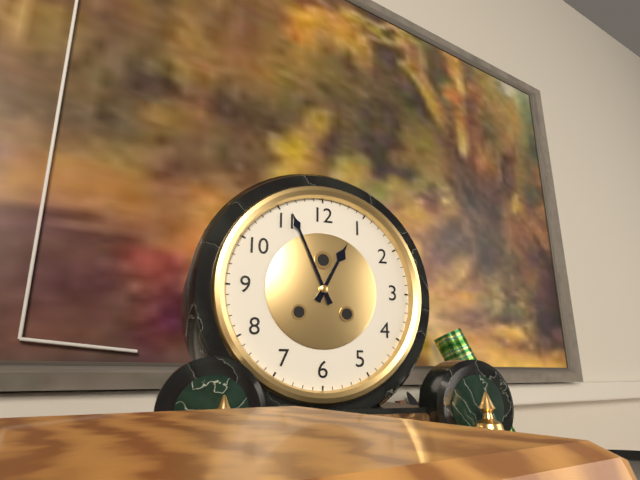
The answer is 12:56
